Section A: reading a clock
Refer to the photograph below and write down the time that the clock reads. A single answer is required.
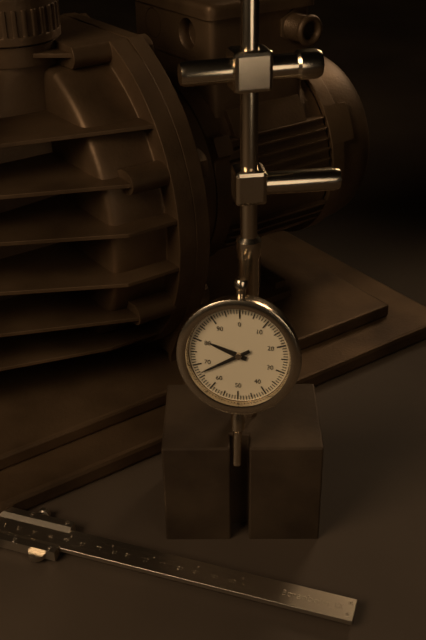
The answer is 9:40
